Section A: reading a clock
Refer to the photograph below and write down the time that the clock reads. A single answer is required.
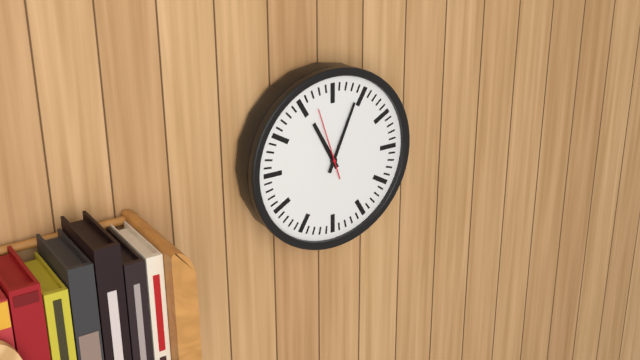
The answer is 11:04:57
